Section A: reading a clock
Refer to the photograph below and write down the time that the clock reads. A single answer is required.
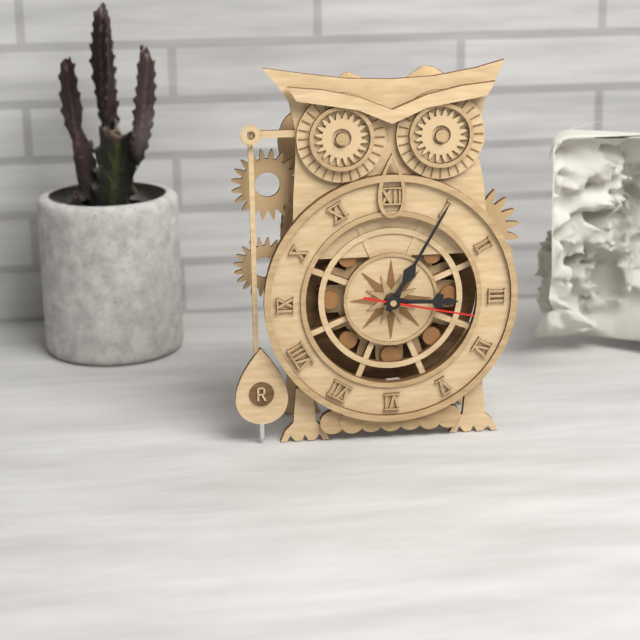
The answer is 3:05:17
